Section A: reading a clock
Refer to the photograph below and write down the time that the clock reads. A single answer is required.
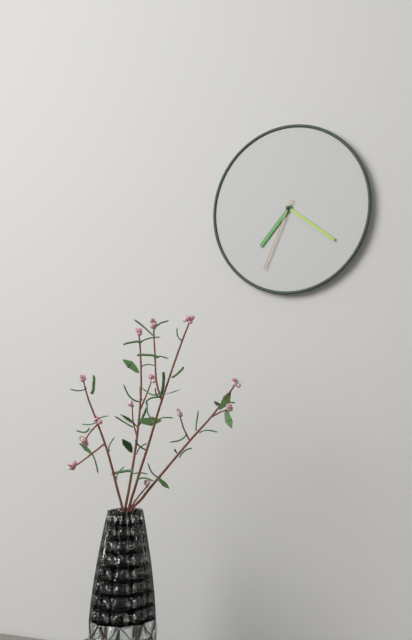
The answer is 7:21:34
